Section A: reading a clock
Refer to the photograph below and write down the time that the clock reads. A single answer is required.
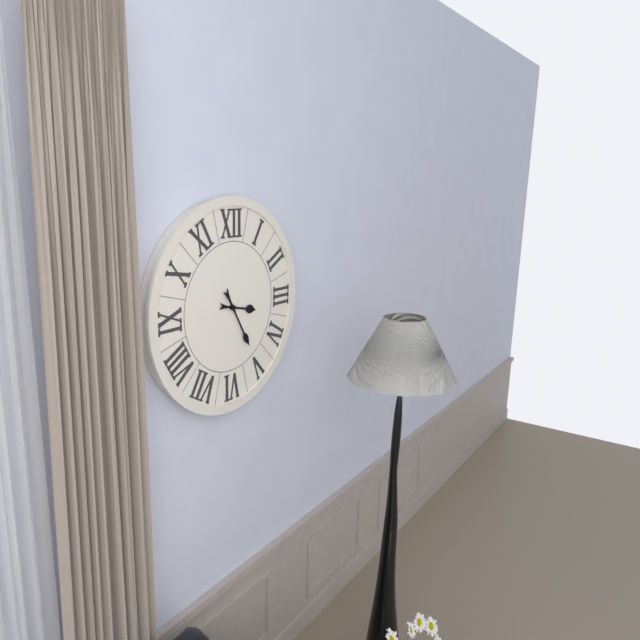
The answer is 3:25
